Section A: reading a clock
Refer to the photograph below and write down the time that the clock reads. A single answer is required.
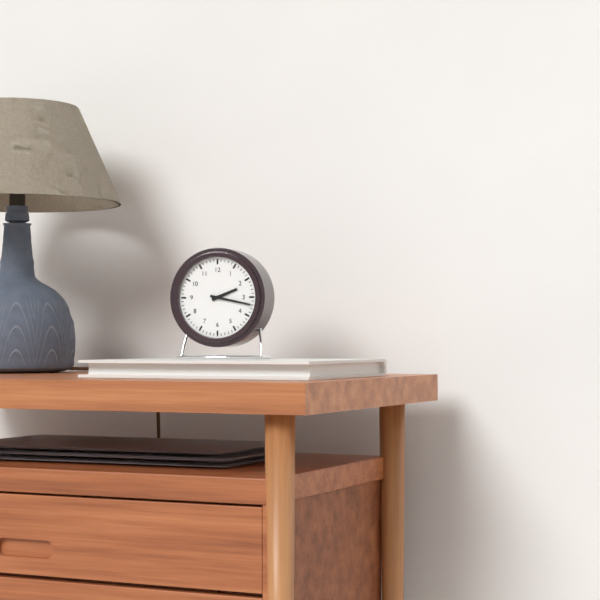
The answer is 2:17
